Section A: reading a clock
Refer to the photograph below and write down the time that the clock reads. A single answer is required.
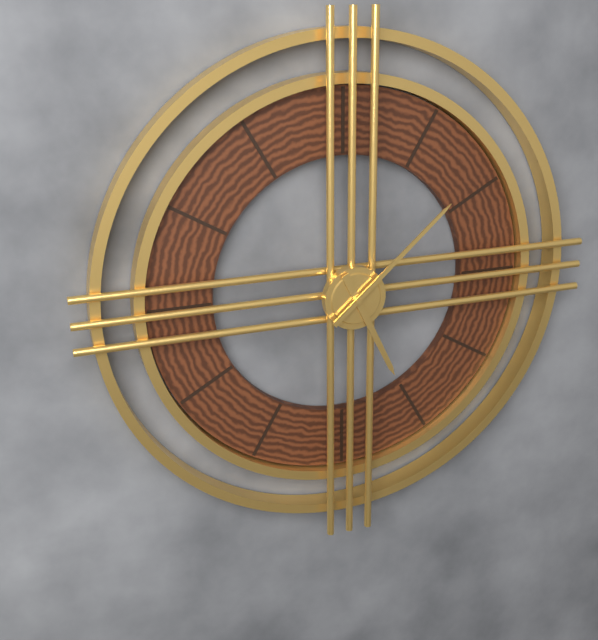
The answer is 5:08
